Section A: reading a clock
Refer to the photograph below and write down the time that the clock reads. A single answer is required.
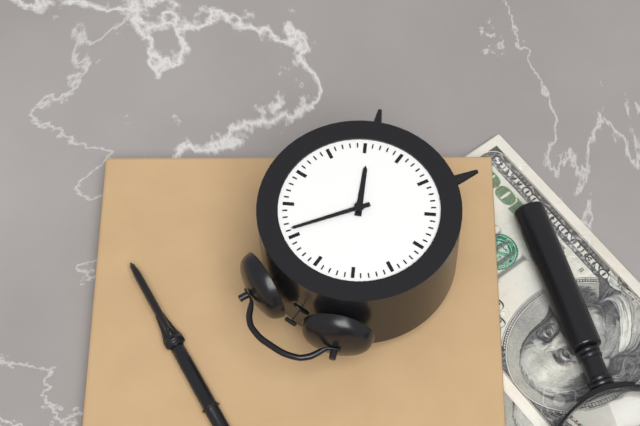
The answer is 5:06
